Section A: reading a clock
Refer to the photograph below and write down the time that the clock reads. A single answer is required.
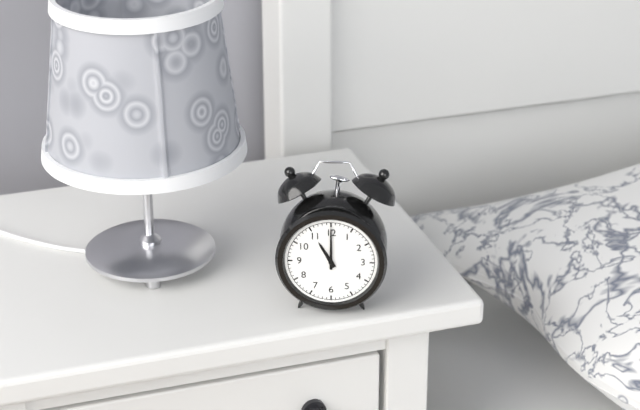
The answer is 11:00
